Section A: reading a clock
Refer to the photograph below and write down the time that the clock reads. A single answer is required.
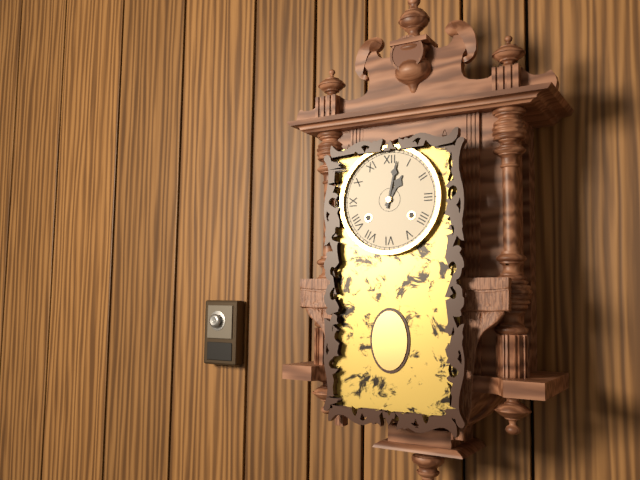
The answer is 1:02
